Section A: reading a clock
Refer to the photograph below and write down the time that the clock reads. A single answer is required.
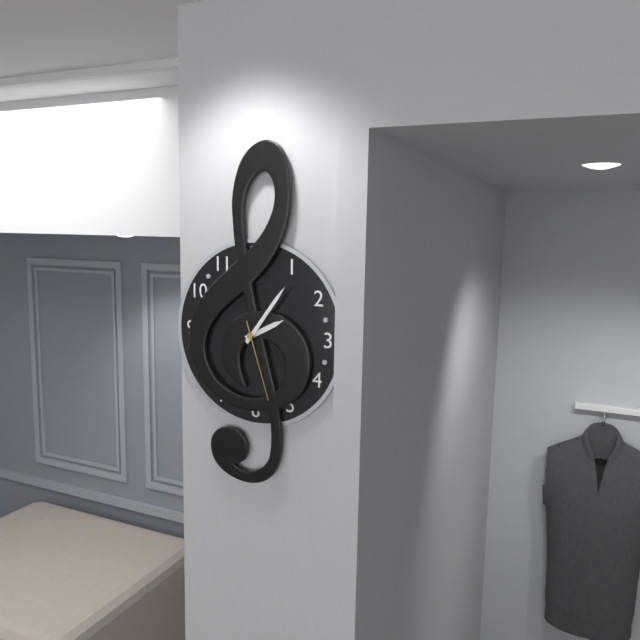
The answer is 2:06:27
